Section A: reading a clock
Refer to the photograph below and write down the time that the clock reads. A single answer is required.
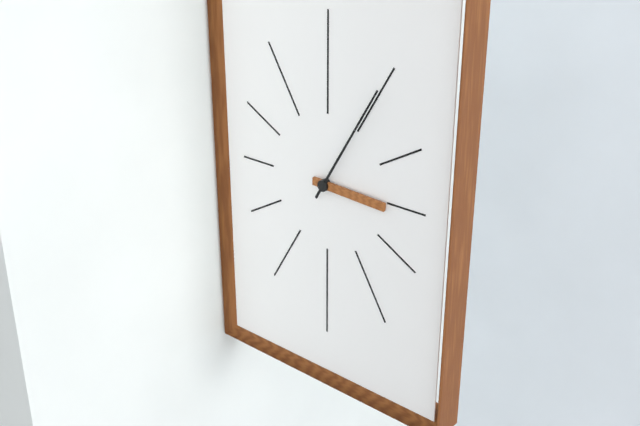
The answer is 3:05
